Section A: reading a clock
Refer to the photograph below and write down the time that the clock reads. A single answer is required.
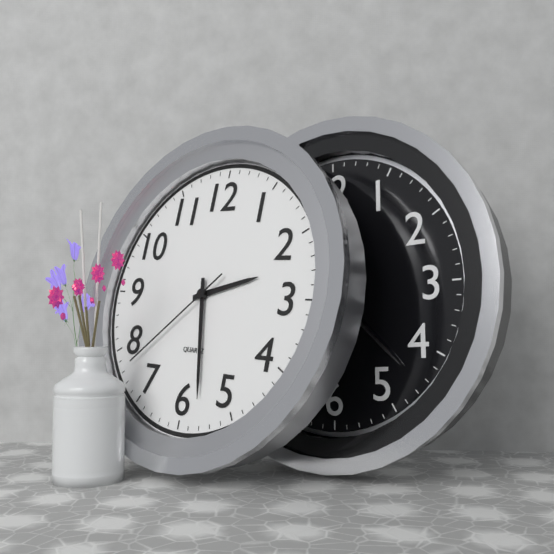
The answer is 2:28:38
